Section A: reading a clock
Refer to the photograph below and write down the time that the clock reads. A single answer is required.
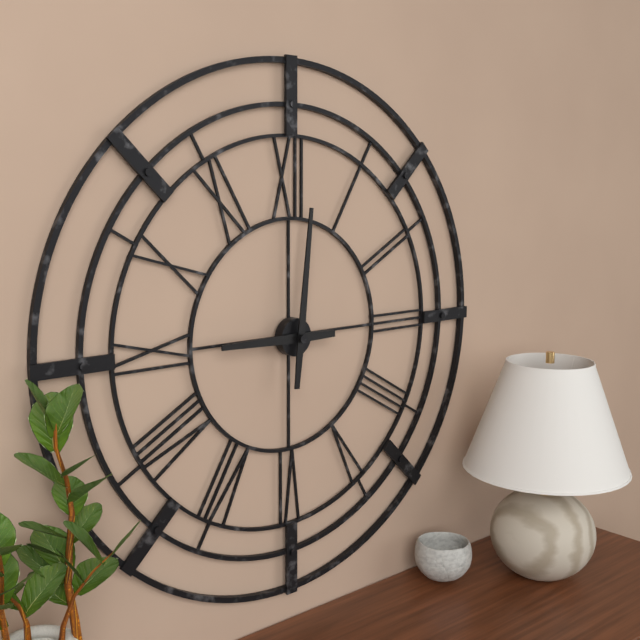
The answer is 9:01
